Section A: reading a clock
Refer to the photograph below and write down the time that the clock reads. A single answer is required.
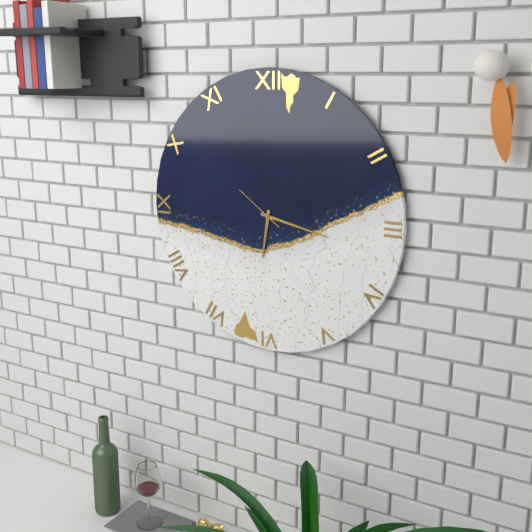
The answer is 6:17
